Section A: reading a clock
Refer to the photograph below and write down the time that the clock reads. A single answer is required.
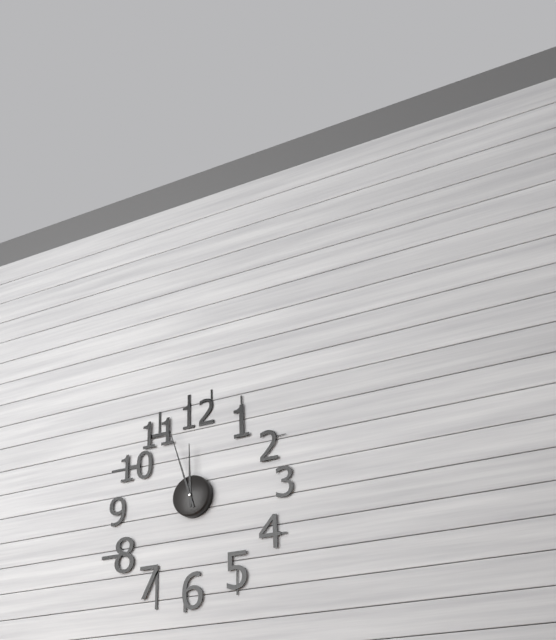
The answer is 11:57
